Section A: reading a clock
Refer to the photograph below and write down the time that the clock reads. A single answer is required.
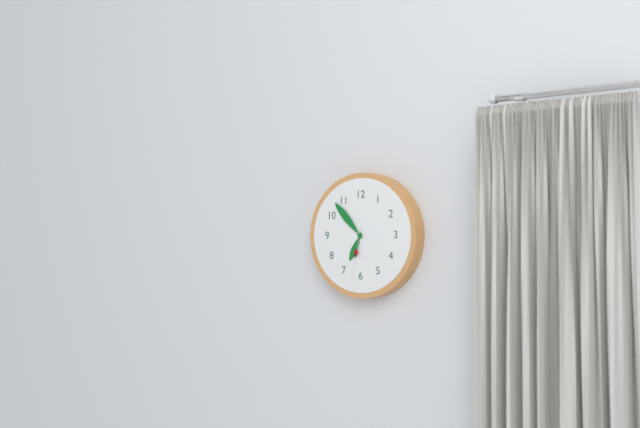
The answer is 6:53:32
